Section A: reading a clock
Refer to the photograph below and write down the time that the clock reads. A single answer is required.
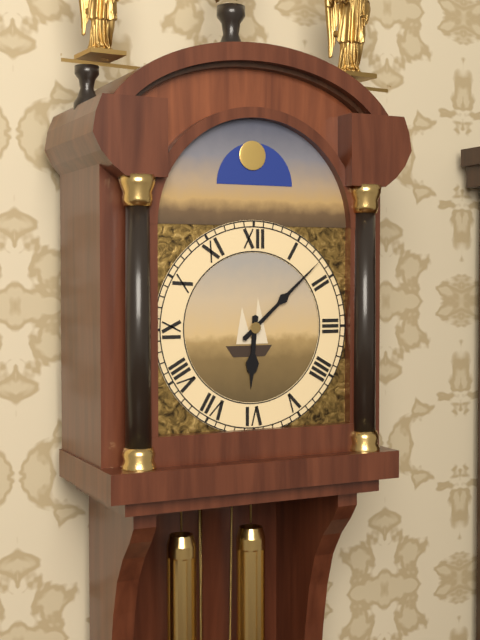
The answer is 6:08
